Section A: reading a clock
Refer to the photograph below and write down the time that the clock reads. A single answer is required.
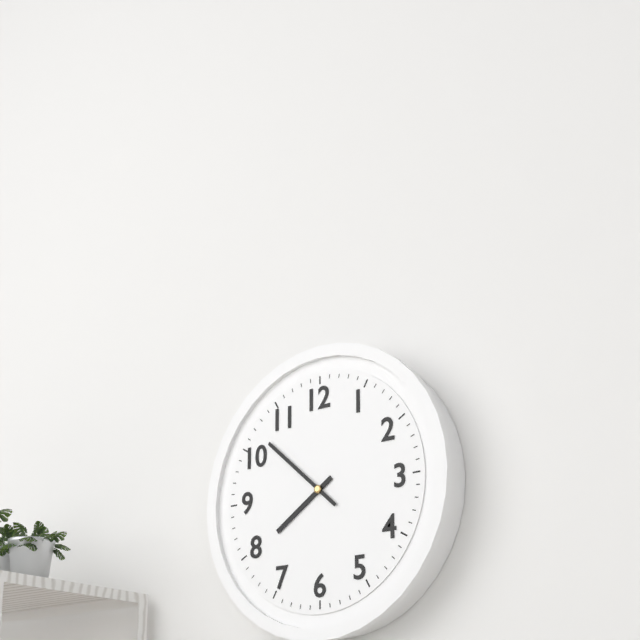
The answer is 7:52
